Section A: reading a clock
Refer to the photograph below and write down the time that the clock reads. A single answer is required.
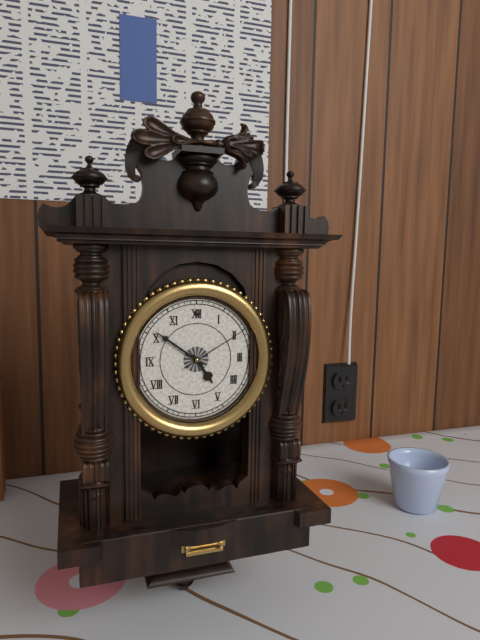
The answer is 4:51:10
